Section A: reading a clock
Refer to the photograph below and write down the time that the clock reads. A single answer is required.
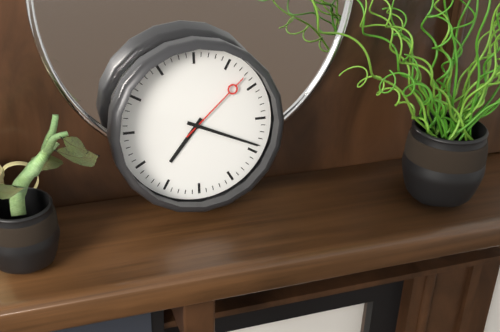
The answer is 7:19:08
